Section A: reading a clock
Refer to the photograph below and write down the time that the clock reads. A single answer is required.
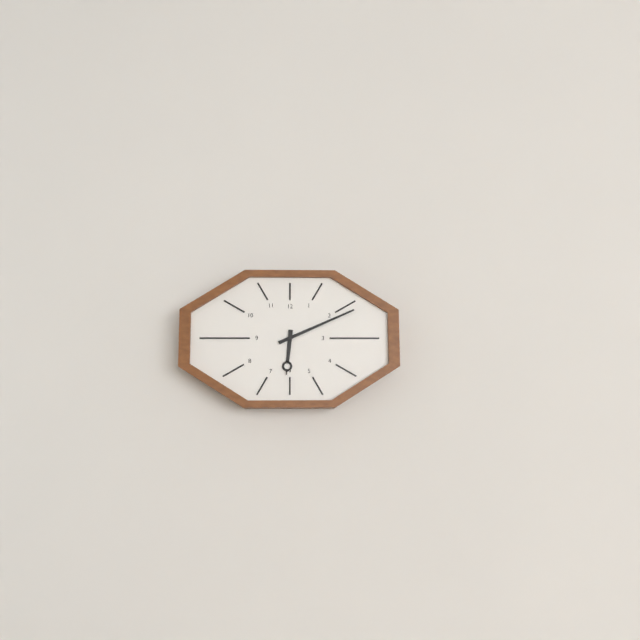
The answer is 6:11
